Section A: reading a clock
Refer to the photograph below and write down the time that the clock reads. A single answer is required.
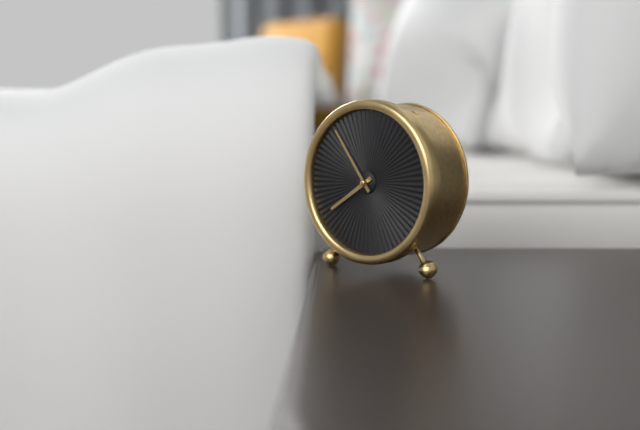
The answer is 7:54
